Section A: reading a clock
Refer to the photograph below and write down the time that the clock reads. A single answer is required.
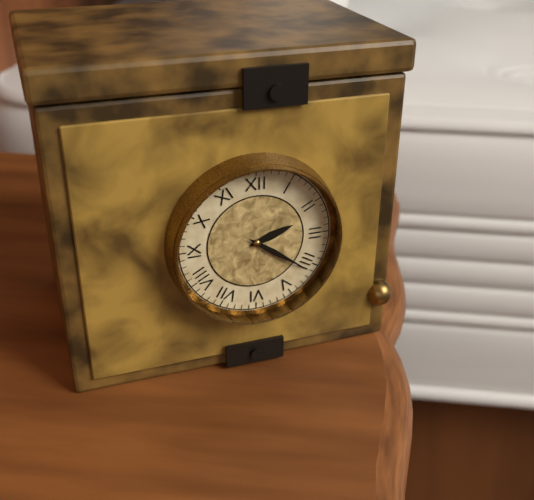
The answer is 2:21
